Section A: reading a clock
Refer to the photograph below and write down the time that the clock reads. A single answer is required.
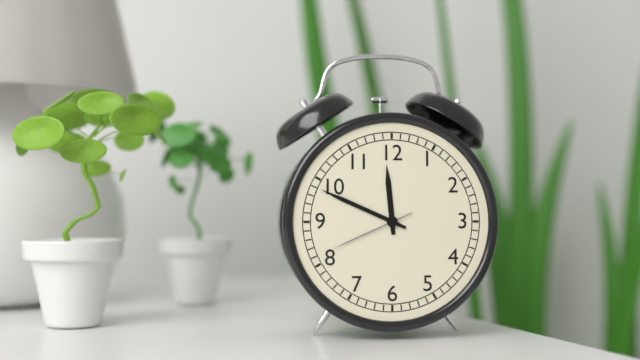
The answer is 11:49:41
